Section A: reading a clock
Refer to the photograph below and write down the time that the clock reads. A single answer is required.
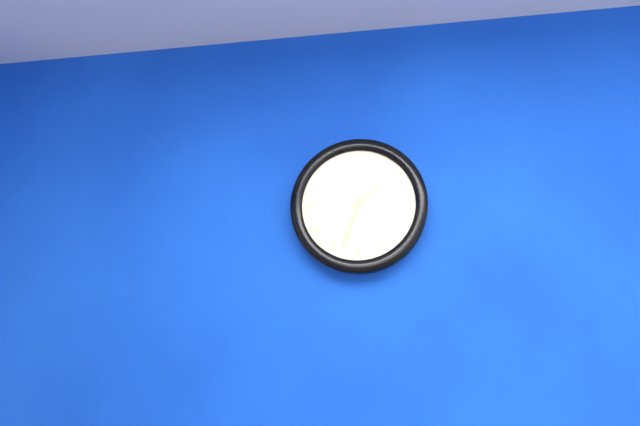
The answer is 1:33
